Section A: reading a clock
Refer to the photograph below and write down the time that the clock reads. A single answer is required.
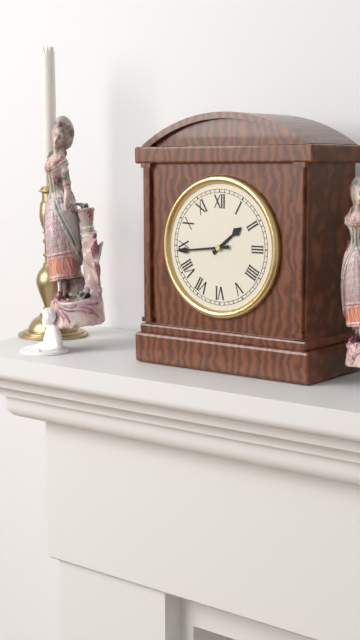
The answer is 1:44
